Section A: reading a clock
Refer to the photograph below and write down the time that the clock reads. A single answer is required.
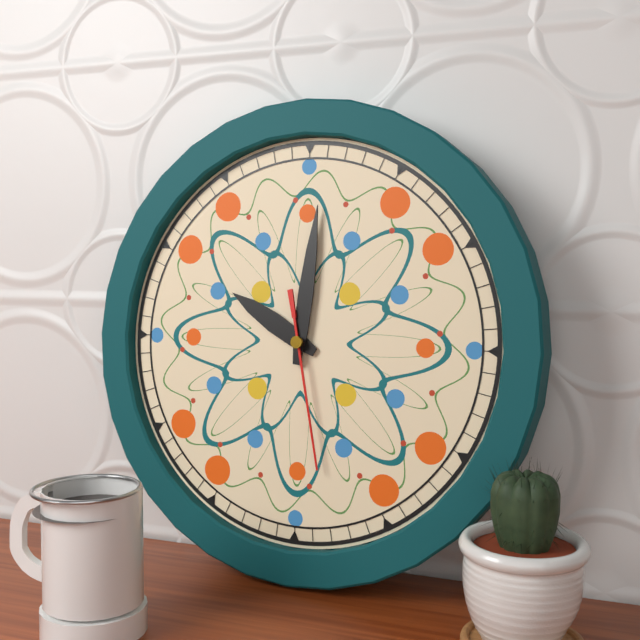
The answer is 10:01:28
